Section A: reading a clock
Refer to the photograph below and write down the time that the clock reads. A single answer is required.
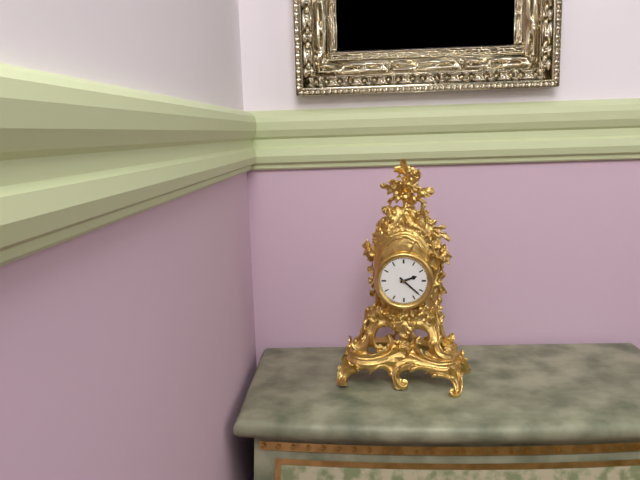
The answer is 2:22
